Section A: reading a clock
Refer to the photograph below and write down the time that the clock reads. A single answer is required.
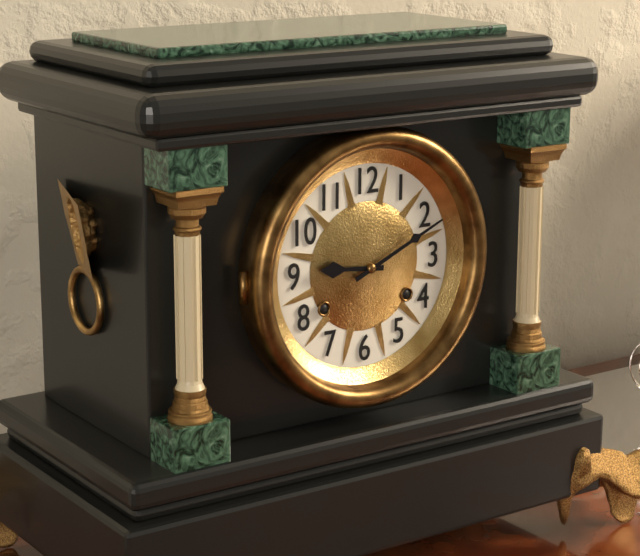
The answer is 9:11
